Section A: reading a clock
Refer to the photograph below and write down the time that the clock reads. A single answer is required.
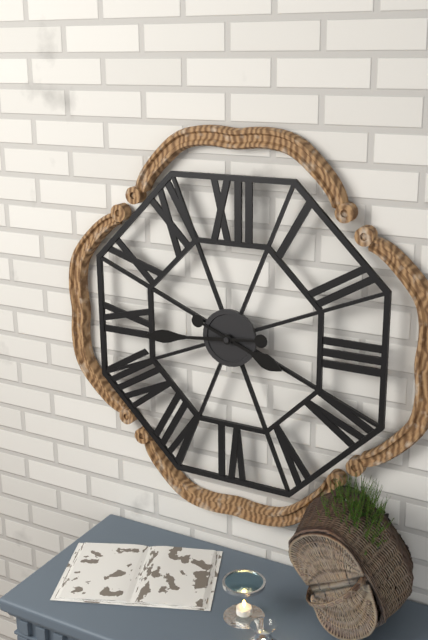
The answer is 3:44
